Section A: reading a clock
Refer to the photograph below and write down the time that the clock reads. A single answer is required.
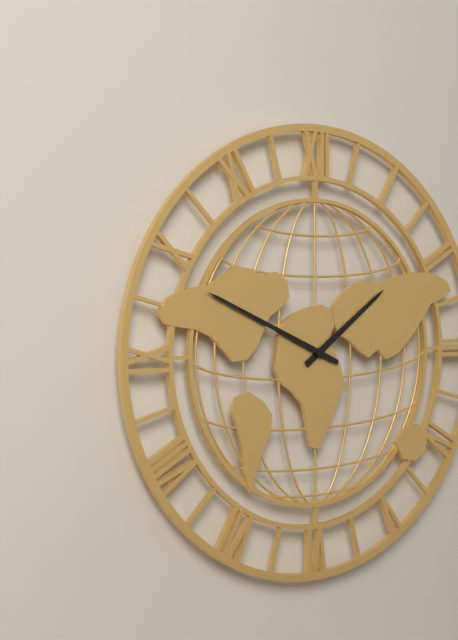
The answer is 1:49
